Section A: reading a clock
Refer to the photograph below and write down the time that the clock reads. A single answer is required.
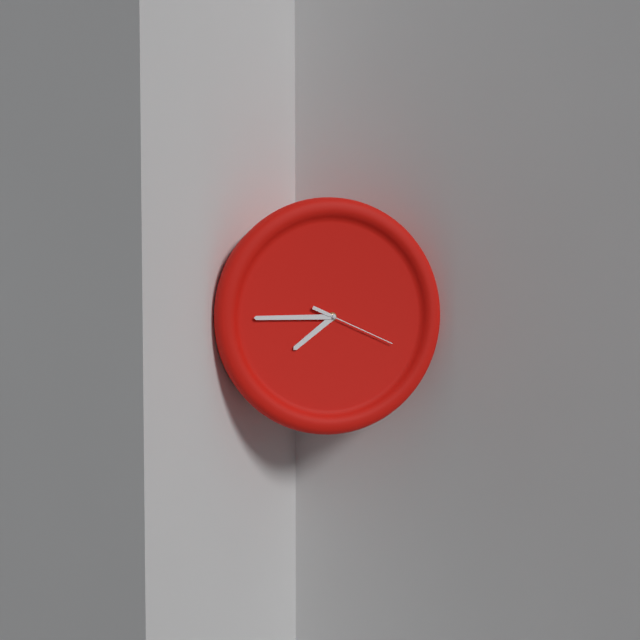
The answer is 7:45:19
